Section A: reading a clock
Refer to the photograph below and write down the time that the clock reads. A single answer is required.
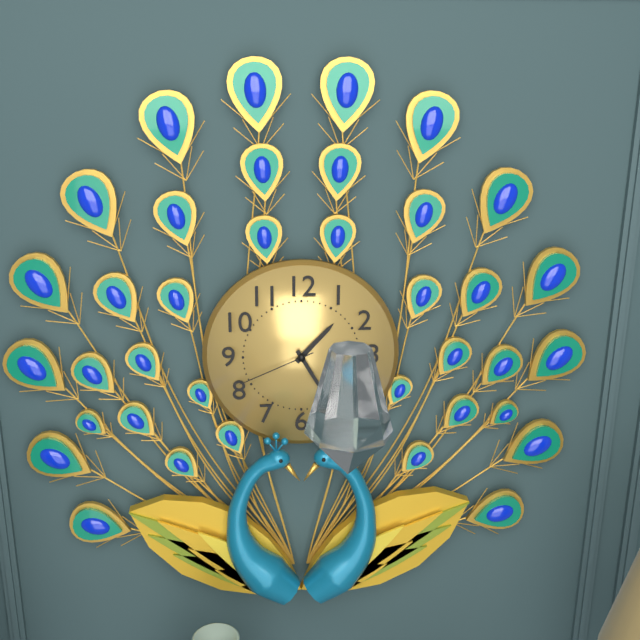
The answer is 1:25:41
